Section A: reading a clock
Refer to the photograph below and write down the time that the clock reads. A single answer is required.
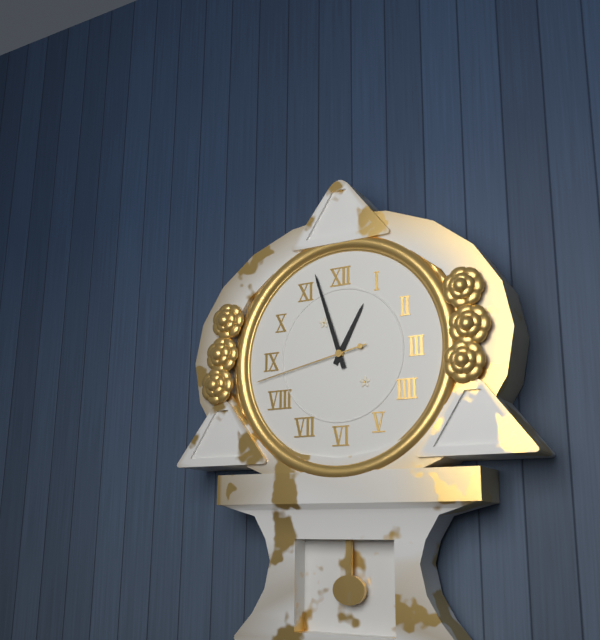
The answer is 12:57:43
